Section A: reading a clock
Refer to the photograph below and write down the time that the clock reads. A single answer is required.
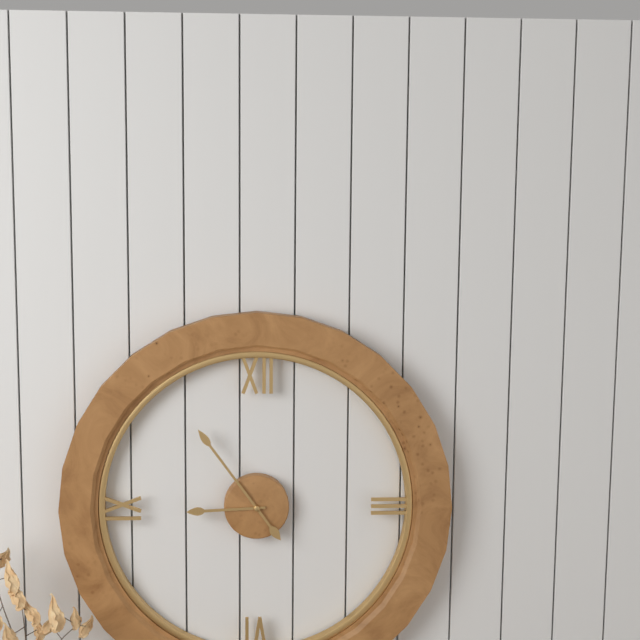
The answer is 8:54
